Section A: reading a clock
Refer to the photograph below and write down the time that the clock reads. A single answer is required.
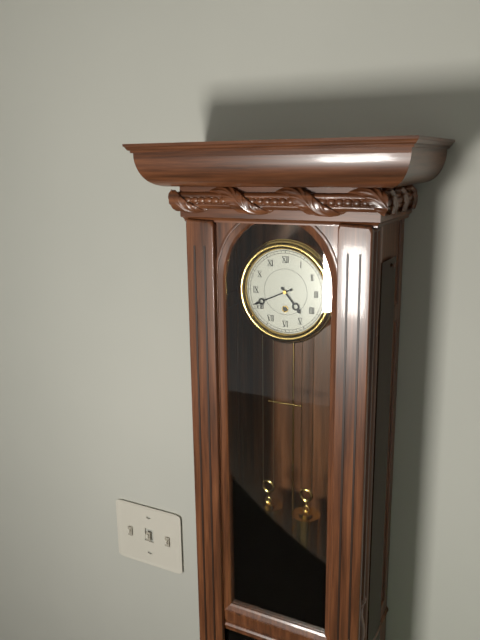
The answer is 4:41
